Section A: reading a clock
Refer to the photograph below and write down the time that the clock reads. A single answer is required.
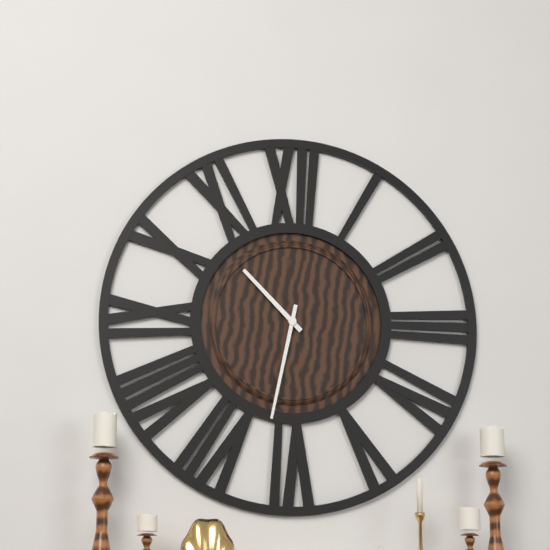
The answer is 10:32
